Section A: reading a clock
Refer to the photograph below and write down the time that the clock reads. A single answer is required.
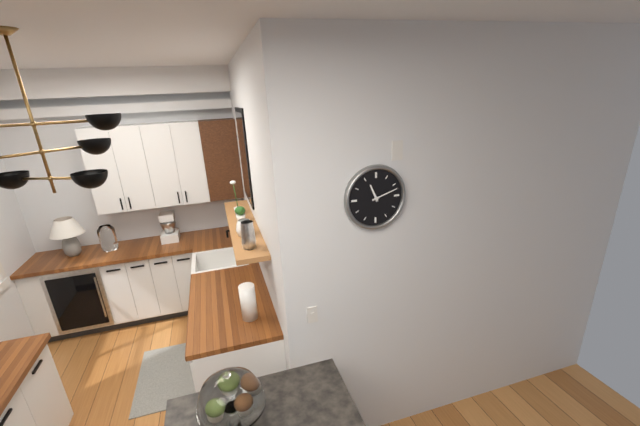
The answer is 11:12
